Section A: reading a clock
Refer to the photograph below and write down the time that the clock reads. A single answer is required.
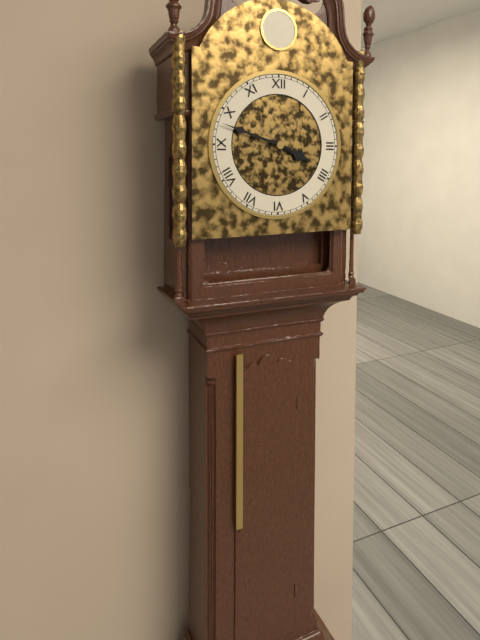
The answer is 3:48
